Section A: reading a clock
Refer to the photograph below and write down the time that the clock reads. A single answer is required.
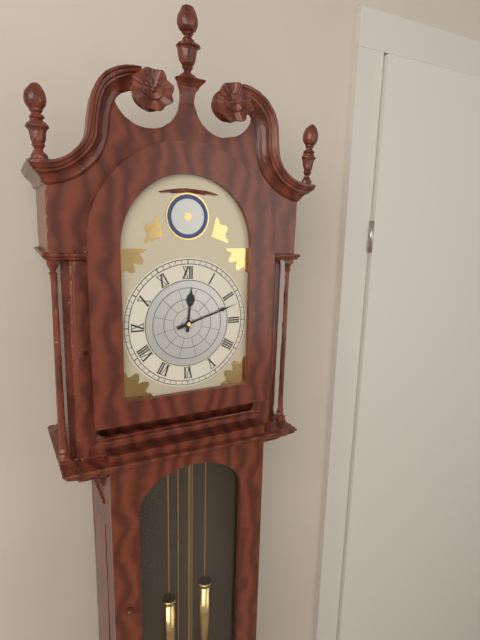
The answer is 12:12
